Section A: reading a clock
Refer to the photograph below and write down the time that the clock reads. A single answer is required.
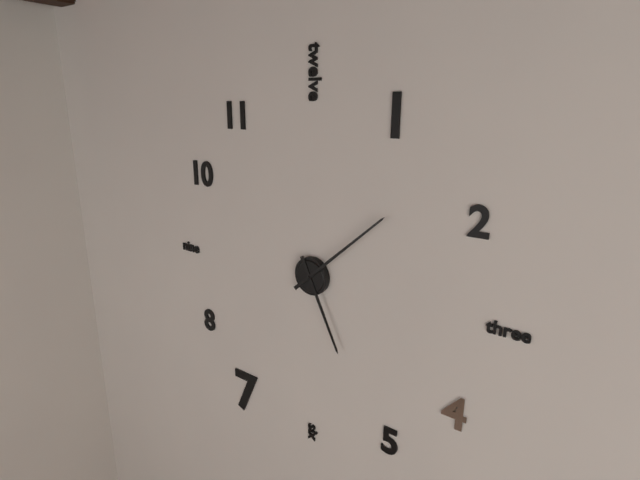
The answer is 5:08
